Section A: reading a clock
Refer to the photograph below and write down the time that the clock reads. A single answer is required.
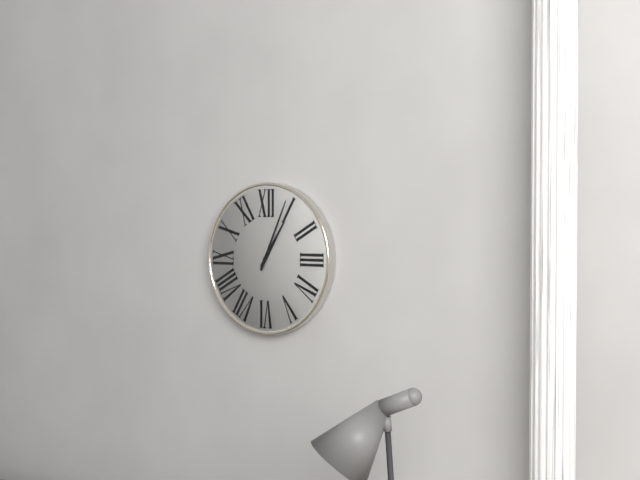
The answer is 1:04
